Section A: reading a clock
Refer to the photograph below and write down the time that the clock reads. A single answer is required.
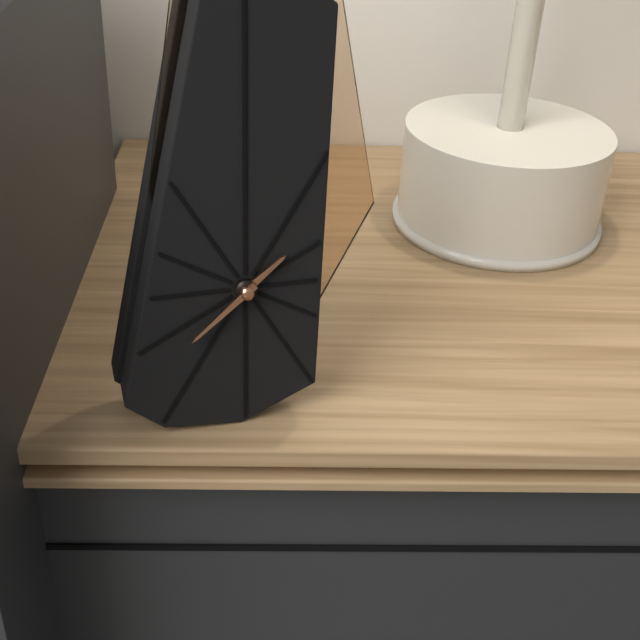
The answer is 1:38
